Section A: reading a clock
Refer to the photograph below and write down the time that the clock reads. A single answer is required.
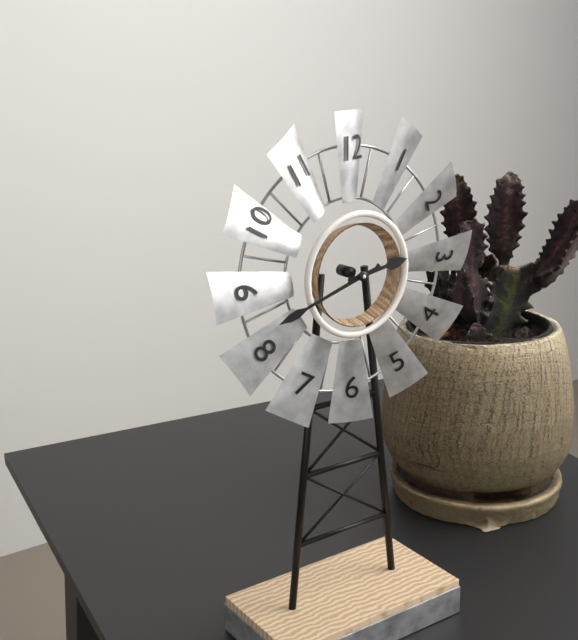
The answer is 2:42
